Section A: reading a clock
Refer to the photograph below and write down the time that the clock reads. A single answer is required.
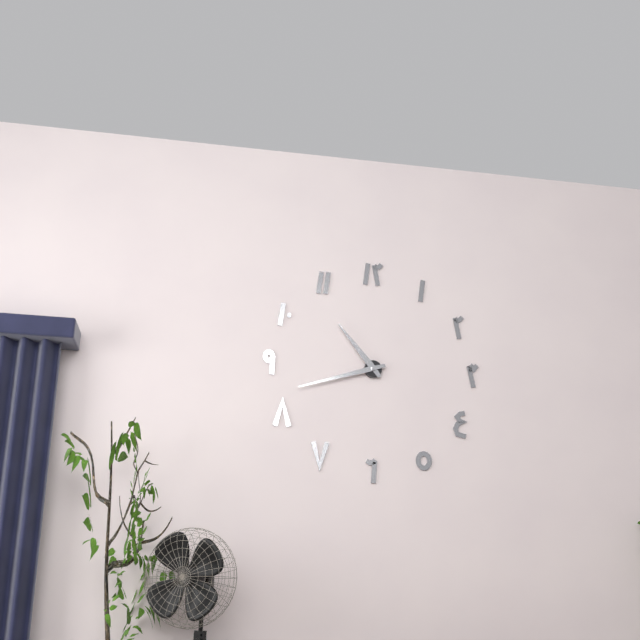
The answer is 10:42
